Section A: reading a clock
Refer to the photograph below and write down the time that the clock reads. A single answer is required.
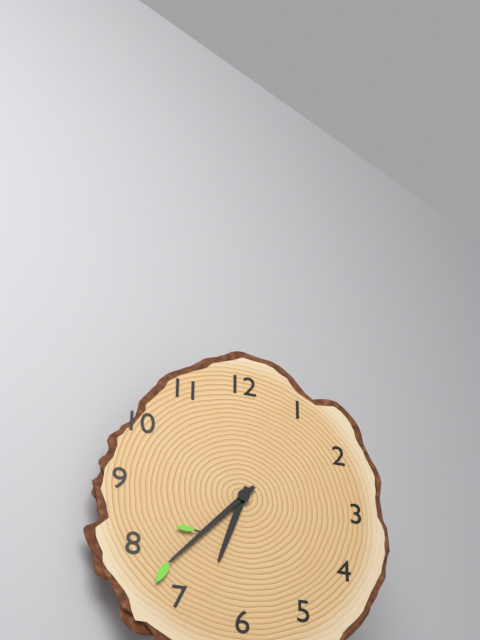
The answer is 6:37
